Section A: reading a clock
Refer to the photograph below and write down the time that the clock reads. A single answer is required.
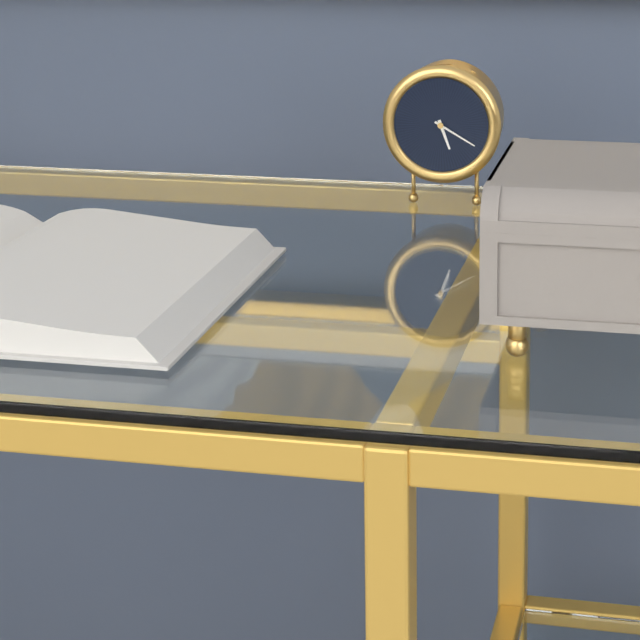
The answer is 5:20
